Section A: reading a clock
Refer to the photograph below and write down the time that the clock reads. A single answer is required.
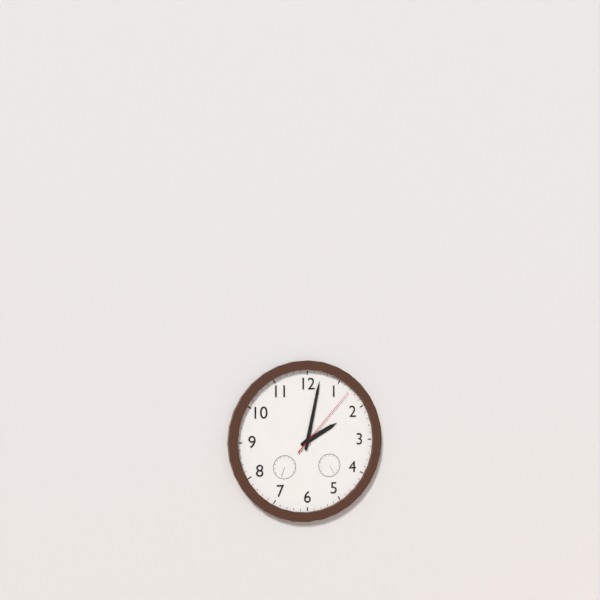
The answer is 2:02:07
